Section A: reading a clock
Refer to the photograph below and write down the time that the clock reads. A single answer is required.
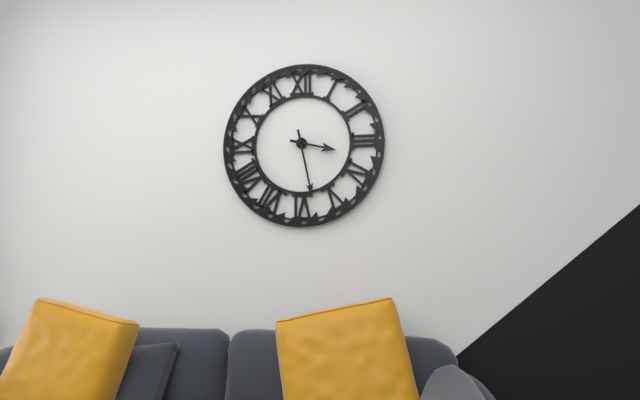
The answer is 3:28
